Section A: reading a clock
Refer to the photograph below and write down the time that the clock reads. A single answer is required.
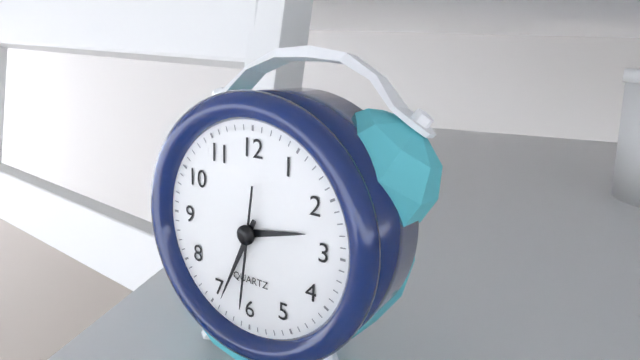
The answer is 2:34:31
